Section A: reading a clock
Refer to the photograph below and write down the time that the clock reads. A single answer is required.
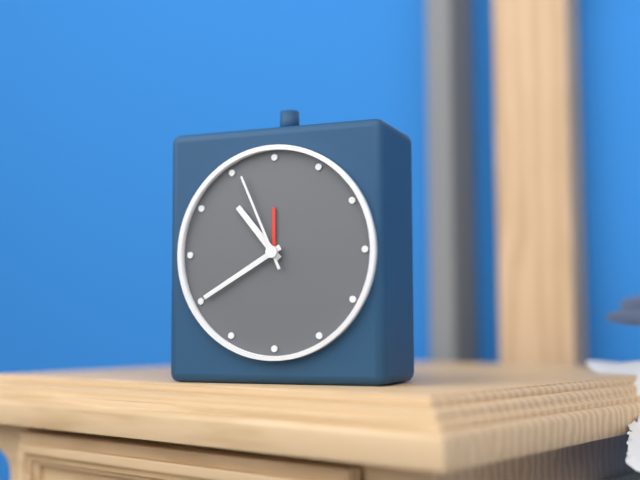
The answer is 10:40:56
